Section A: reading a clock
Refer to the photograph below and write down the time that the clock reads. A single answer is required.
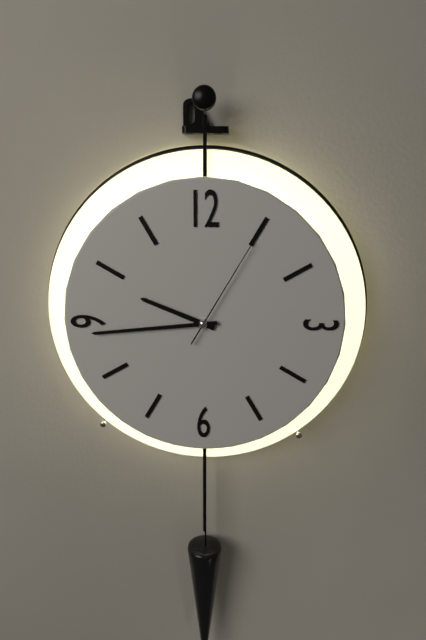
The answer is 9:44:05
